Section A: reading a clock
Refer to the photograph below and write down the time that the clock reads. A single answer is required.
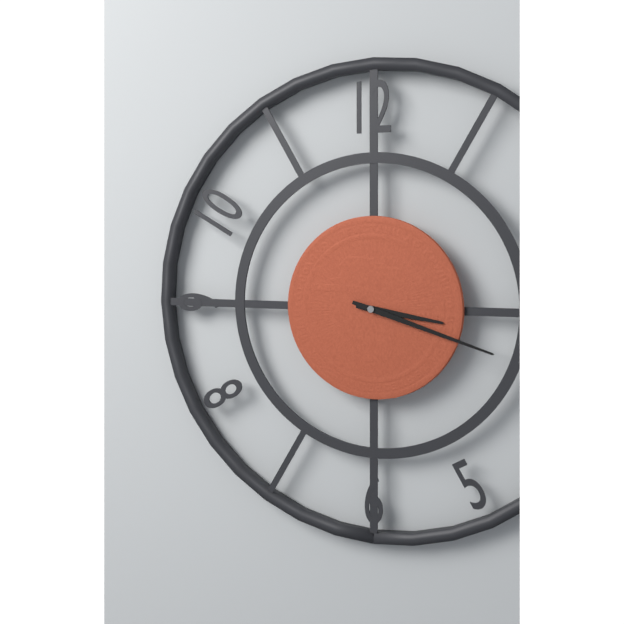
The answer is 3:18
